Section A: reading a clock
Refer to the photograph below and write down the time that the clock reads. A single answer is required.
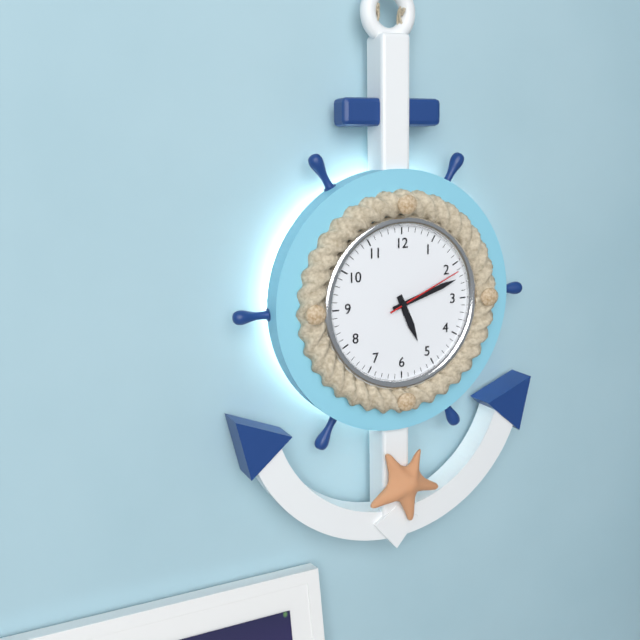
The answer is 5:12:11
